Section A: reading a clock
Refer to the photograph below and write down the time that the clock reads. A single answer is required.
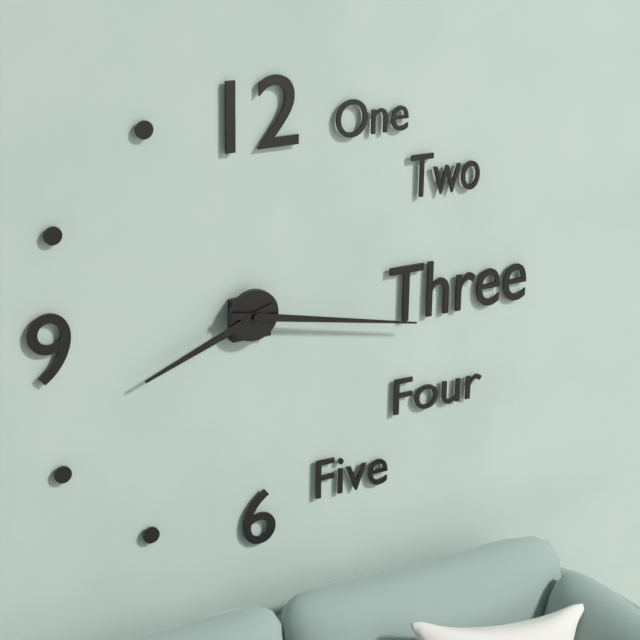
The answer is 8:17
